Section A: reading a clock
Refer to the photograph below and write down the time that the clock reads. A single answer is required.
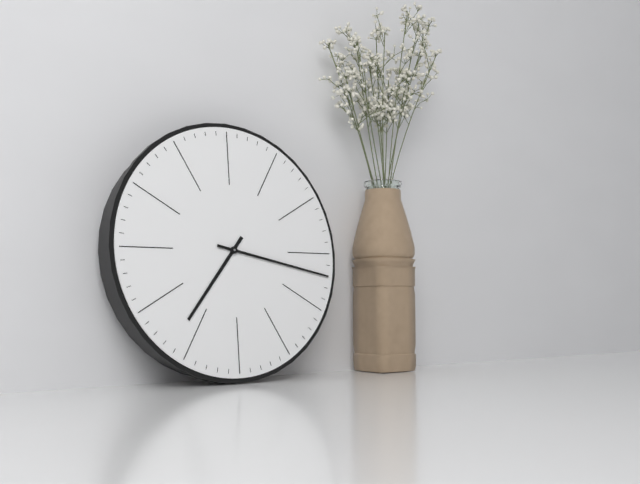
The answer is 7:17
